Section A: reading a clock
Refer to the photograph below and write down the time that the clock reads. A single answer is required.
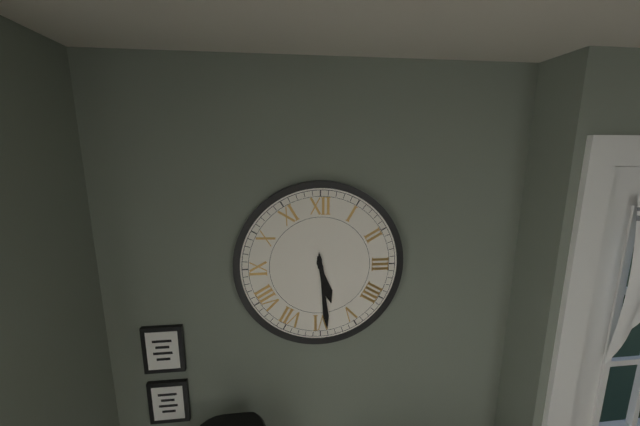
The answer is 5:29
